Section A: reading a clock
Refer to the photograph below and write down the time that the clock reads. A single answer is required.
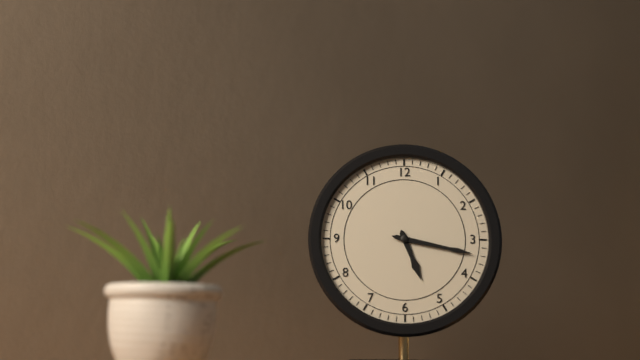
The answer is 5:17
